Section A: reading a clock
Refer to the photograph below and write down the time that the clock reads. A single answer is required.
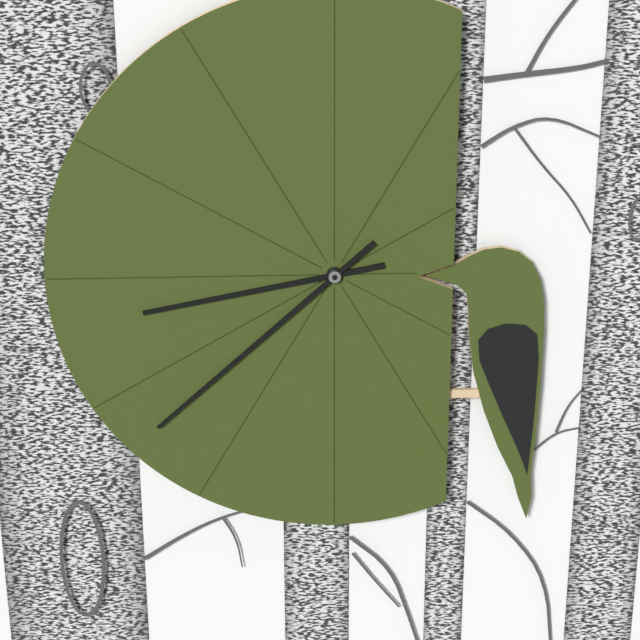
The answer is 8:38
